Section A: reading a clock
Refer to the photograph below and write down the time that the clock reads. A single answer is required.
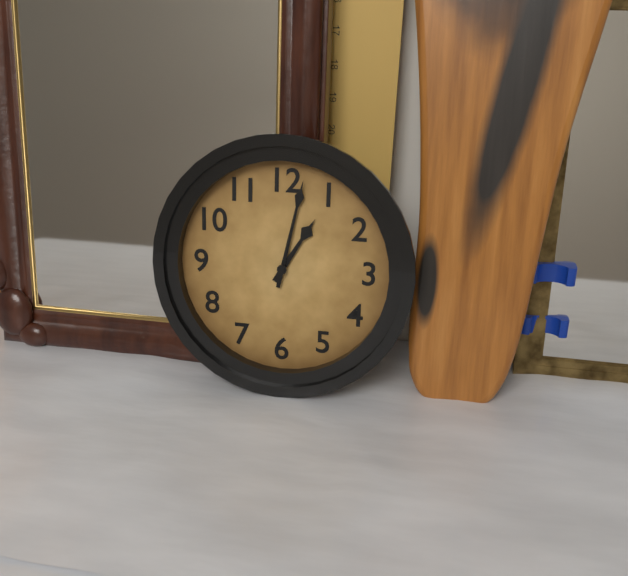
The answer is 1:02
